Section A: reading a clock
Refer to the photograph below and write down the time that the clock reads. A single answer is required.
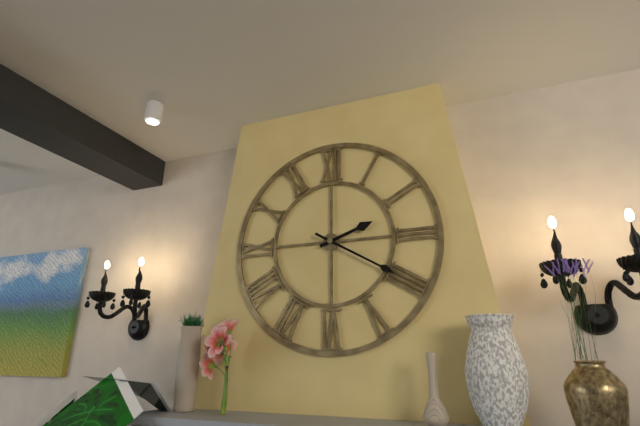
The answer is 2:20
